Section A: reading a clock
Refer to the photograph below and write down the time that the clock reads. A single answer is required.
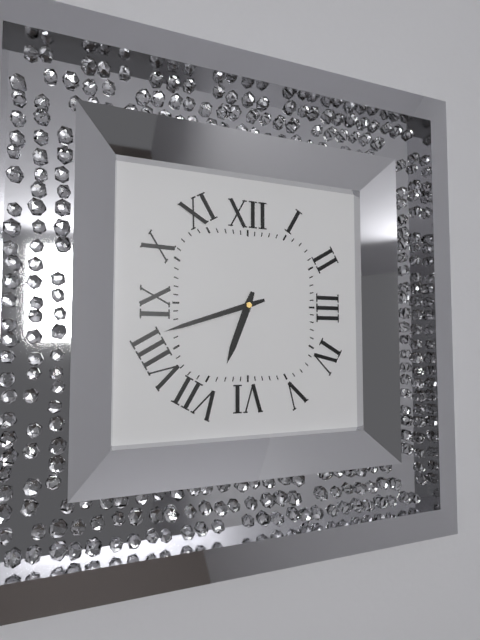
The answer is 6:42
